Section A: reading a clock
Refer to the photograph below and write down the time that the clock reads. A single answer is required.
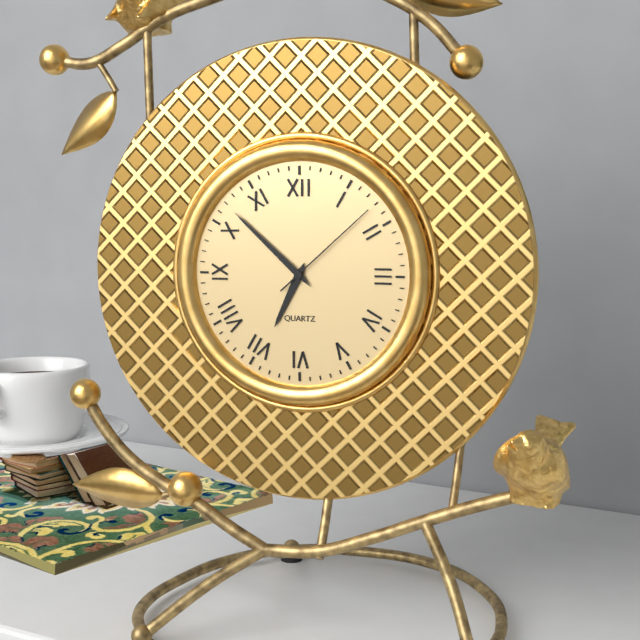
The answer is 6:52:08
